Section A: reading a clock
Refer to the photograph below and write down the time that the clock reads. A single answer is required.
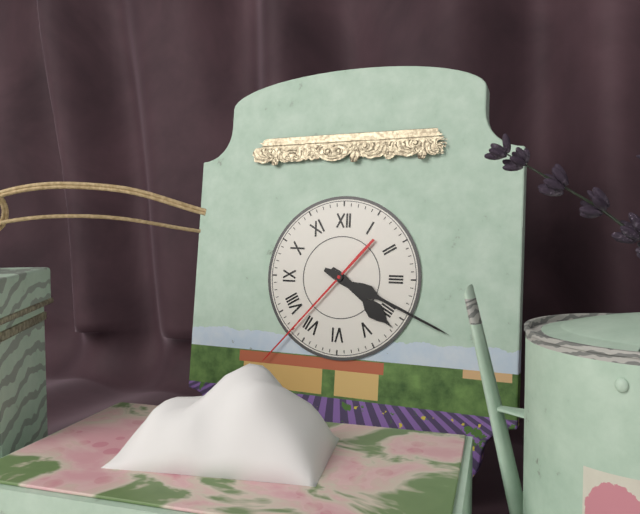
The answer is 4:19:37
